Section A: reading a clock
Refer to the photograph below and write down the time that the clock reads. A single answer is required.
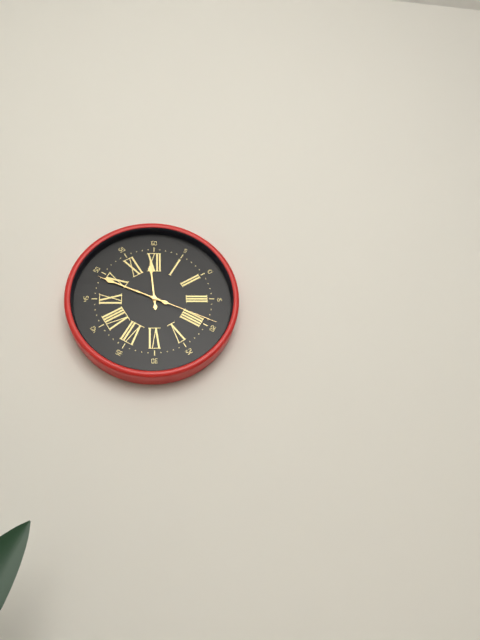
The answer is 11:49:19
